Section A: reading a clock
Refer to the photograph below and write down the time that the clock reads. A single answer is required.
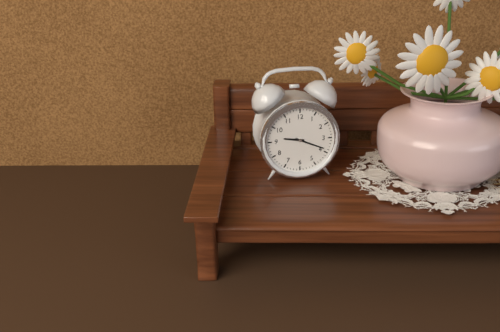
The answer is 9:19
